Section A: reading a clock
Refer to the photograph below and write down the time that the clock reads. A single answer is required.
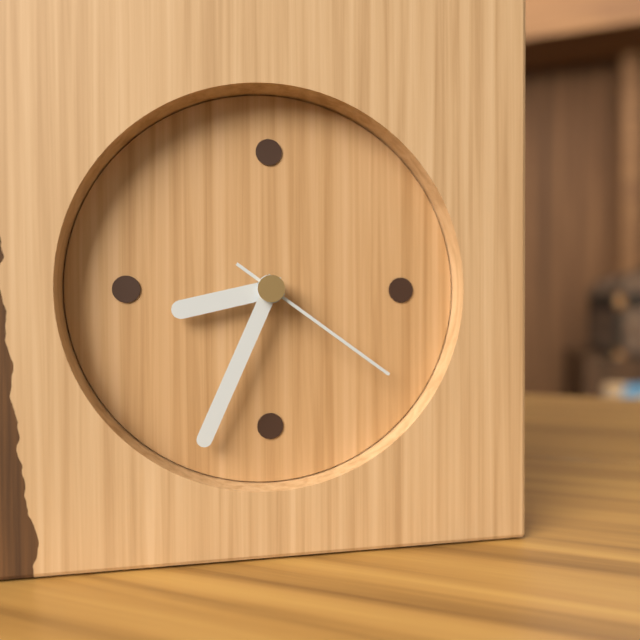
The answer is 8:34:21
